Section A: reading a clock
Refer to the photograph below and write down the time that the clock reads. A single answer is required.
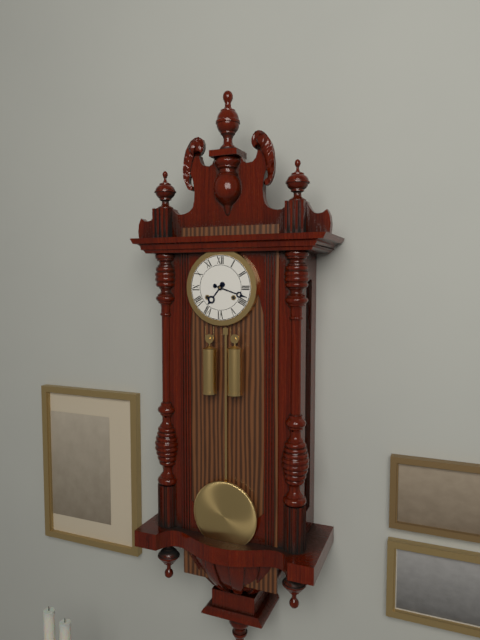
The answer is 7:18
